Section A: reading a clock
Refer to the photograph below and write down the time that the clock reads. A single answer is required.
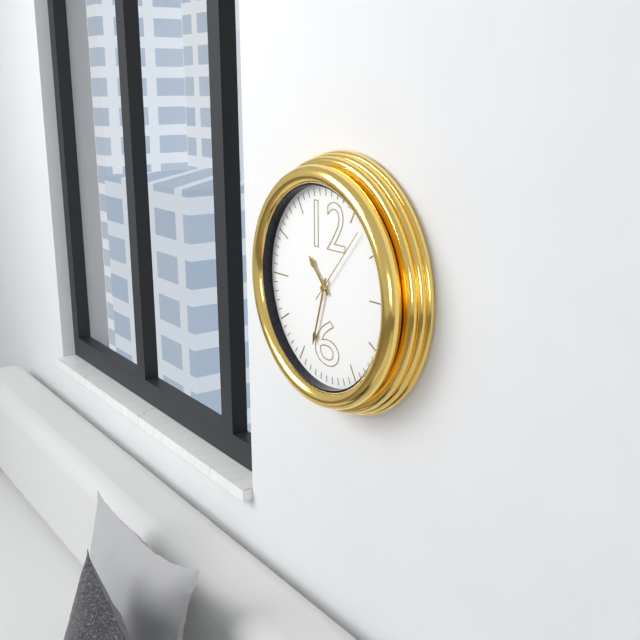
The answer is 10:33:07
